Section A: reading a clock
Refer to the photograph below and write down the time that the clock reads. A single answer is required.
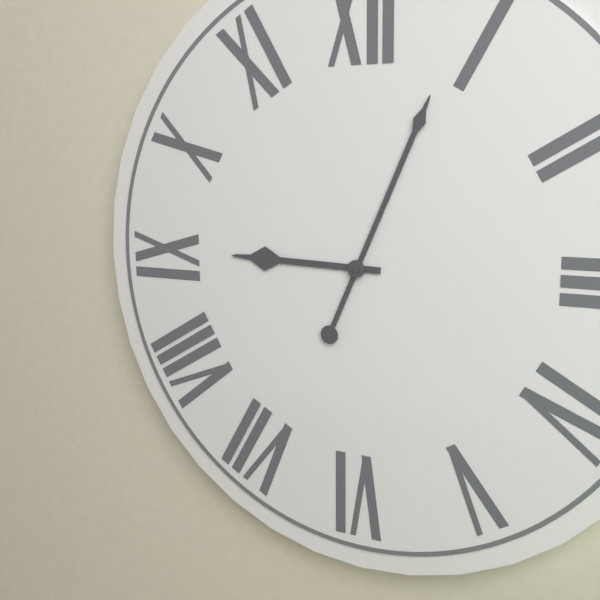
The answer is 9:04
